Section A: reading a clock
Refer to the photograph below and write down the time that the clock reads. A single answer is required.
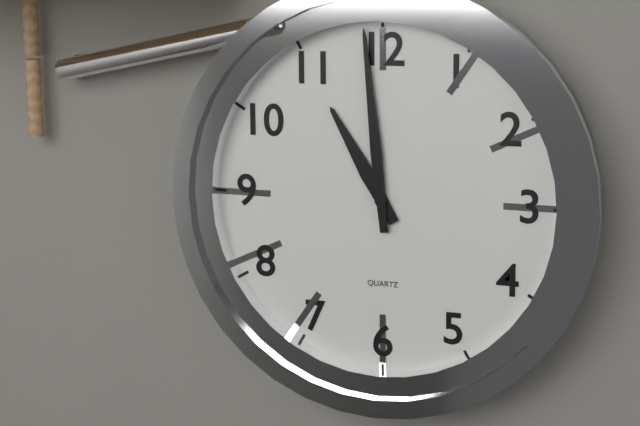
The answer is 10:59
